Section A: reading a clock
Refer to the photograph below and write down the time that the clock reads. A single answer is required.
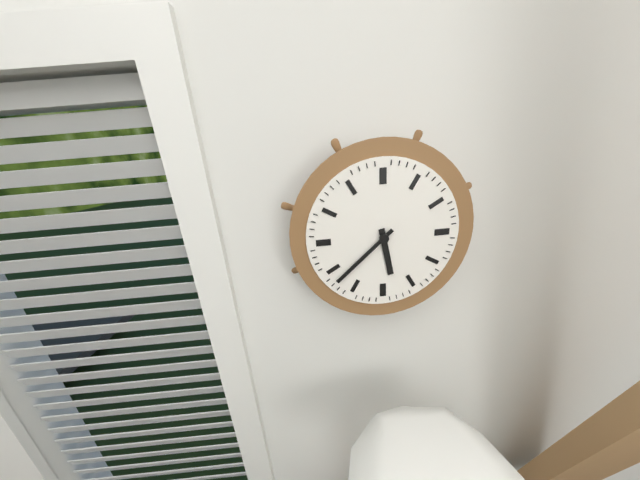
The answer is 5:38
